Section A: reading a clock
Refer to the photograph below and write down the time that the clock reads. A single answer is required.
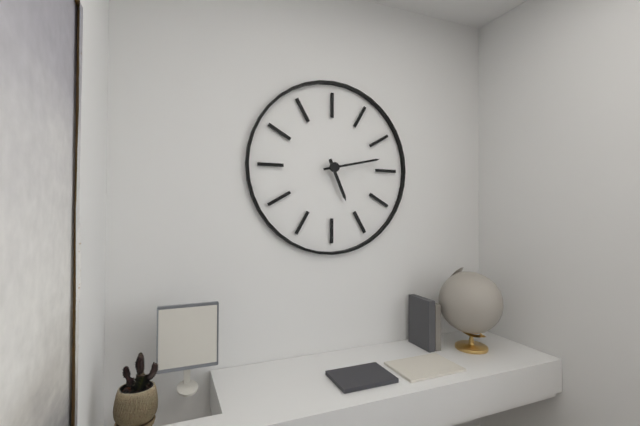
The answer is 5:13
